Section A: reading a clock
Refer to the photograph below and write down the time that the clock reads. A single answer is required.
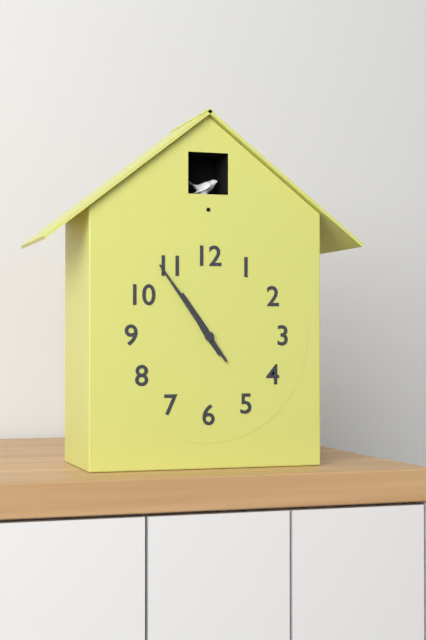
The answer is 10:54
